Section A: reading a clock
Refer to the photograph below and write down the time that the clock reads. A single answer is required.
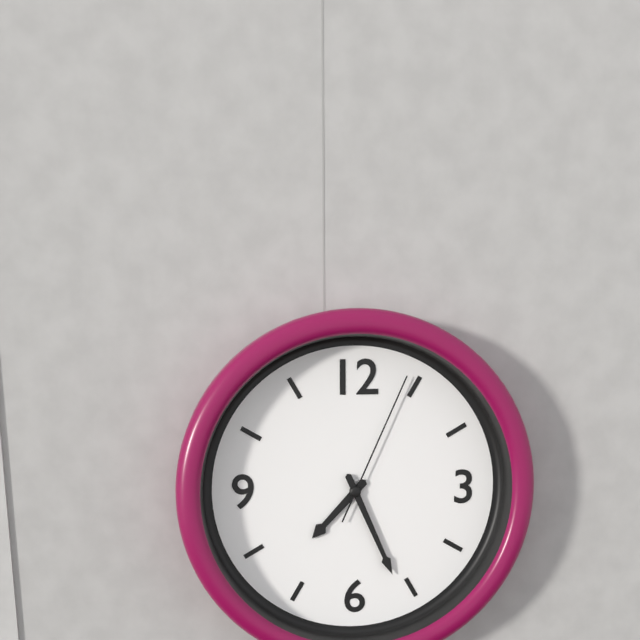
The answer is 7:26:04
